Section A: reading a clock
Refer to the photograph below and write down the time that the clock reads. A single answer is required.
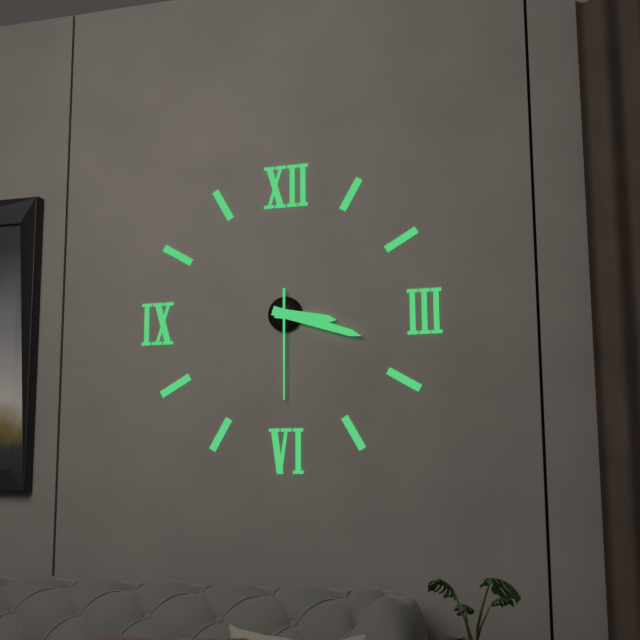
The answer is 3:18:30
